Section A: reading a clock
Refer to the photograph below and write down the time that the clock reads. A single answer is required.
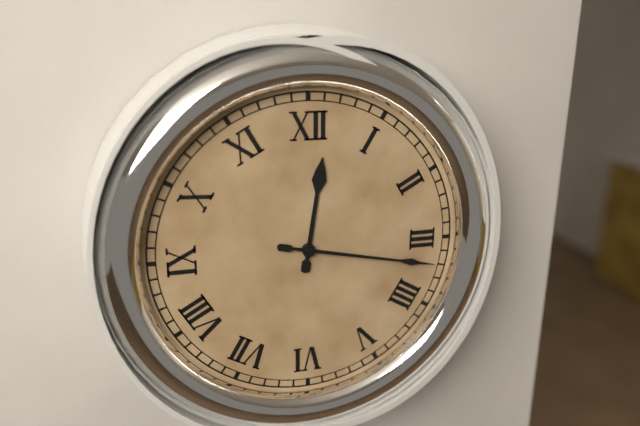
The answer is 12:17
